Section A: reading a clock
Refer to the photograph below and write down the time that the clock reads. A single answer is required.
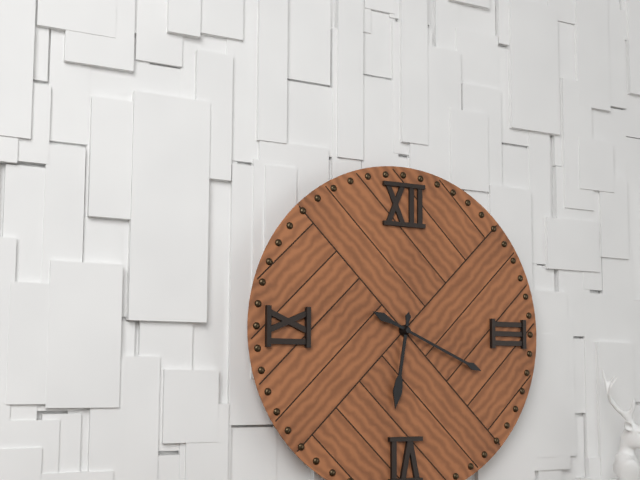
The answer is 6:19
